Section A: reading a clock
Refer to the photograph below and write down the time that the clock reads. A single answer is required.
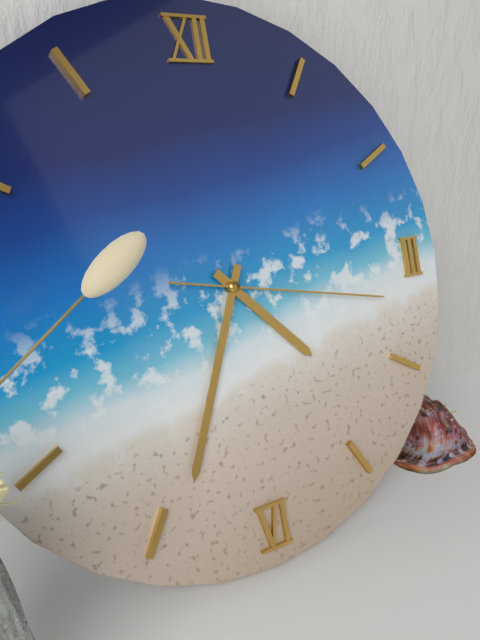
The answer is 4:34:17
